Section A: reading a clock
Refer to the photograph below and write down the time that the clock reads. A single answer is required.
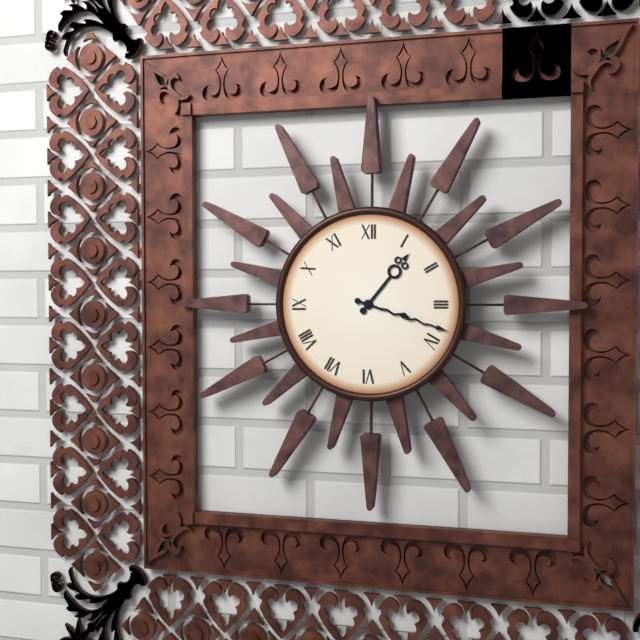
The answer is 1:18
